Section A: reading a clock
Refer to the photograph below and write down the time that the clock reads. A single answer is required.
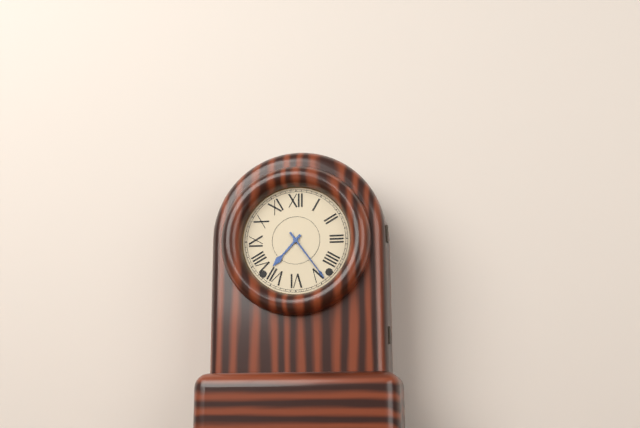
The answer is 7:24
